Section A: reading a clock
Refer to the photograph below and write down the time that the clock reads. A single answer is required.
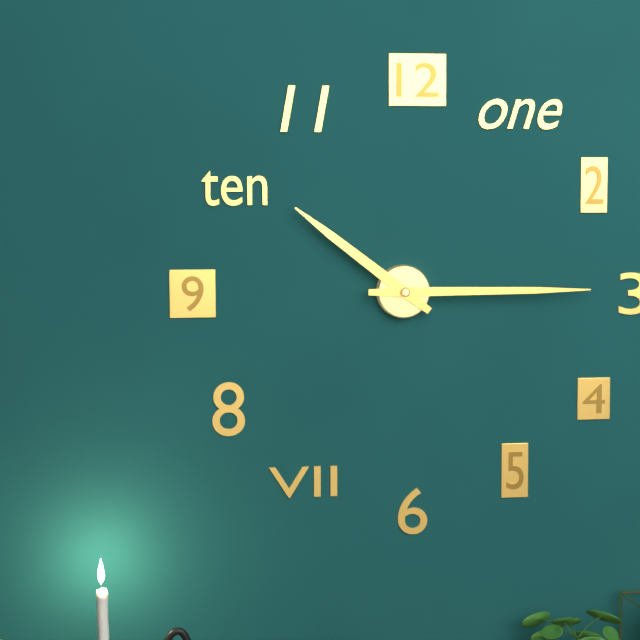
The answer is 10:15
